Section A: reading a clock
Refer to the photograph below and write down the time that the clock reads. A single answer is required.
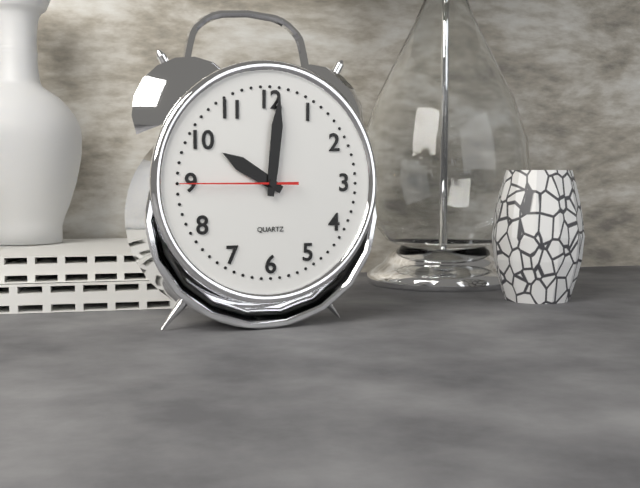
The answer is 10:01:45
